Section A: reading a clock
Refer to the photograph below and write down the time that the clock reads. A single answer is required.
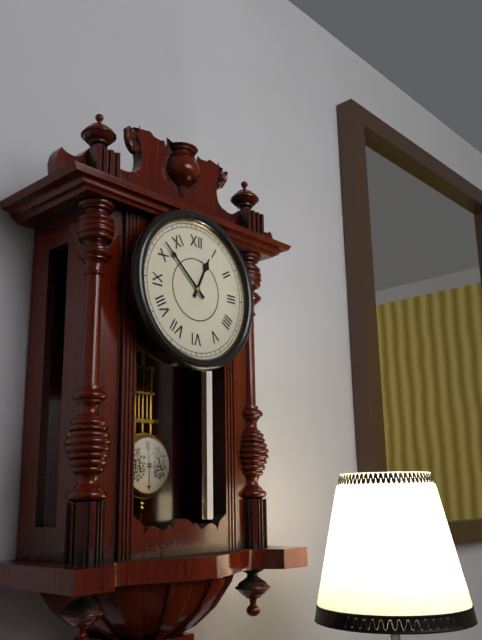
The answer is 12:52
